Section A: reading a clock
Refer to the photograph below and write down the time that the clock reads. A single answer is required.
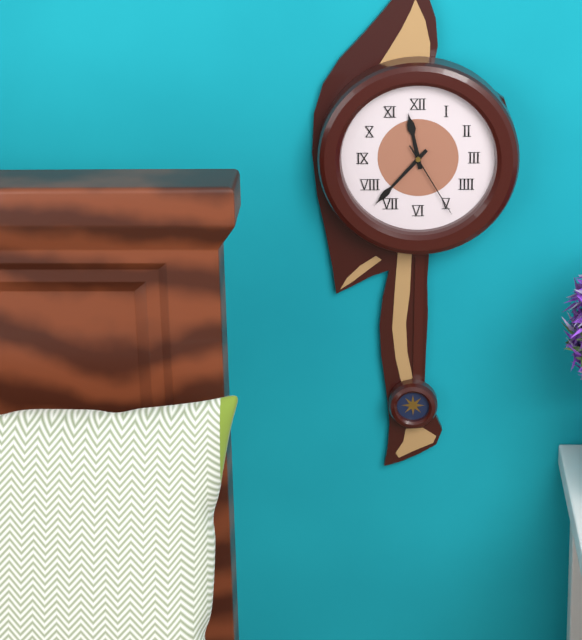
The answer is 11:37:25
